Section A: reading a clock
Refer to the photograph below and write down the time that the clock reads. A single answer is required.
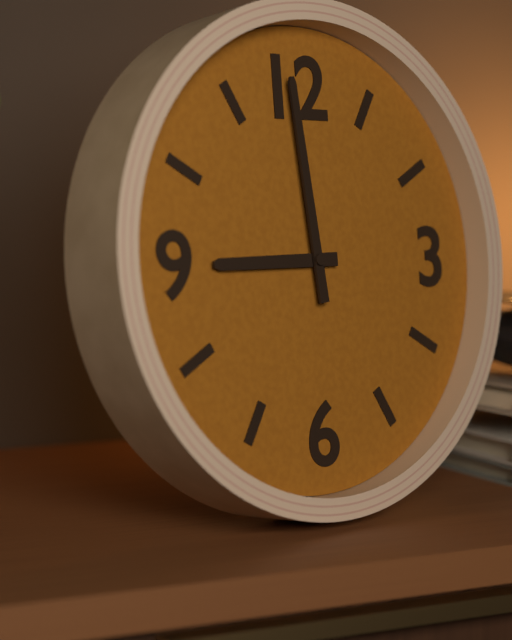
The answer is 8:59
